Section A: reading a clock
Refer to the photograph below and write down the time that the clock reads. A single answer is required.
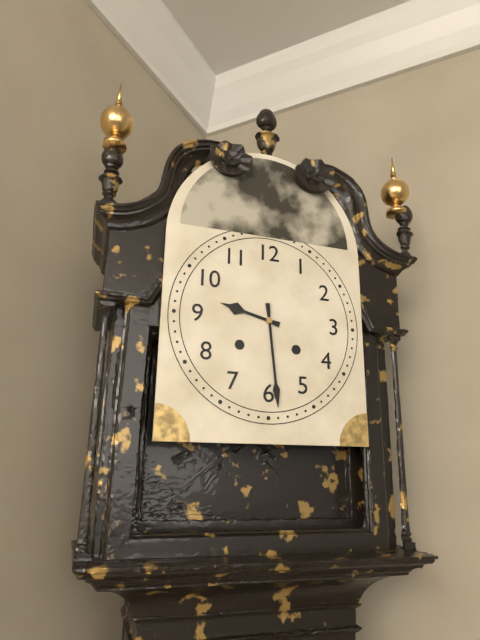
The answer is 9:29
